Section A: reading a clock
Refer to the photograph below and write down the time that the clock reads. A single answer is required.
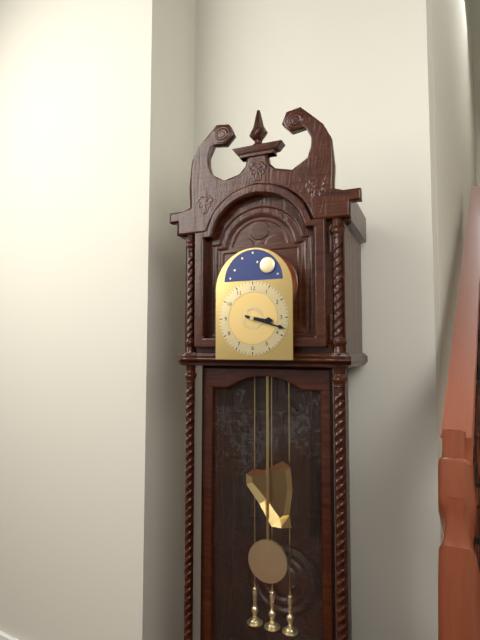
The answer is 3:18
